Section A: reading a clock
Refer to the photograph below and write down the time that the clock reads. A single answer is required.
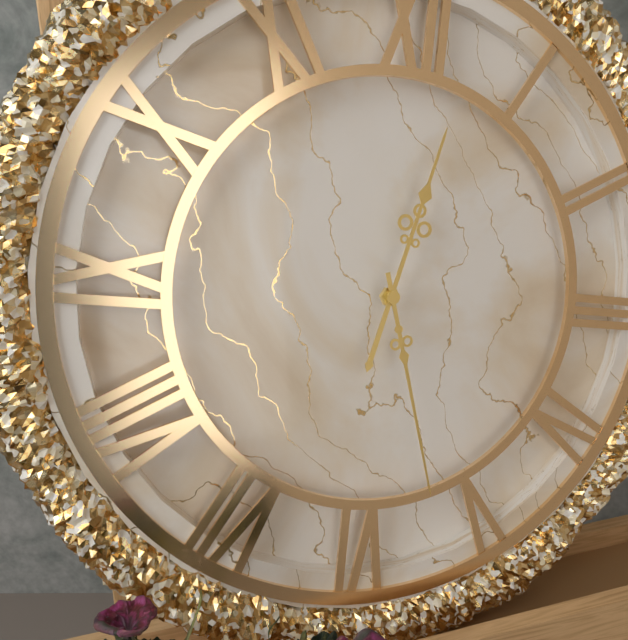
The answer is 12:27
